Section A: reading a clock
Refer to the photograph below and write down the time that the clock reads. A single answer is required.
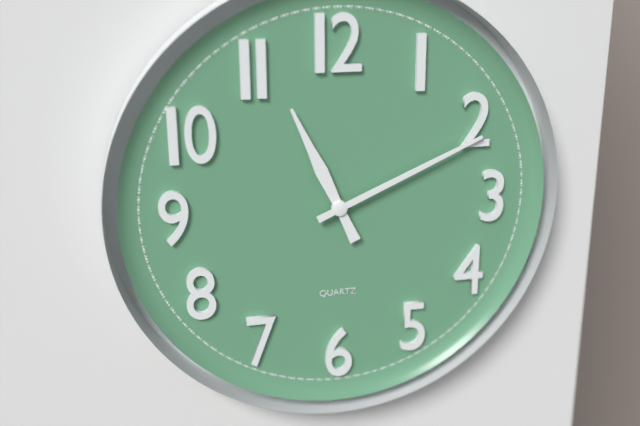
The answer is 11:11
